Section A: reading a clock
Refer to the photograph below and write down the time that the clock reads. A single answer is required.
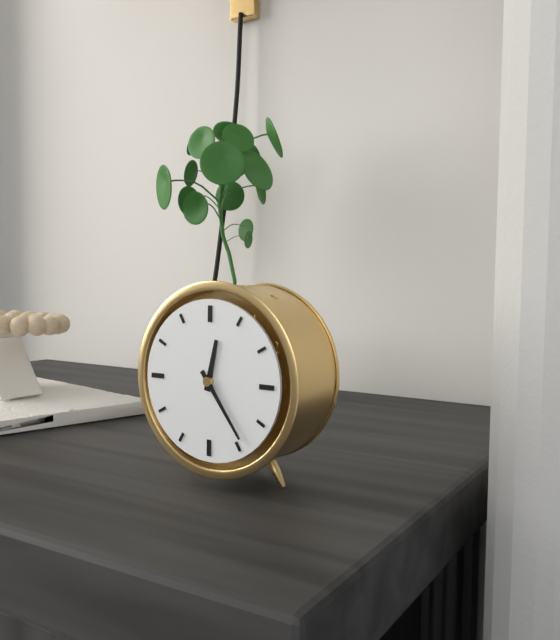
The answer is 12:24
